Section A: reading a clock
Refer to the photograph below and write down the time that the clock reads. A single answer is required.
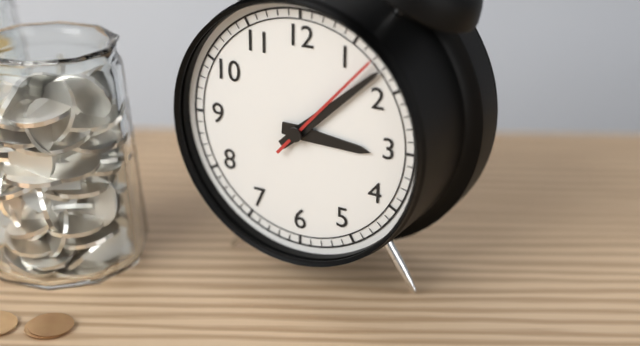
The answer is 3:08:07
